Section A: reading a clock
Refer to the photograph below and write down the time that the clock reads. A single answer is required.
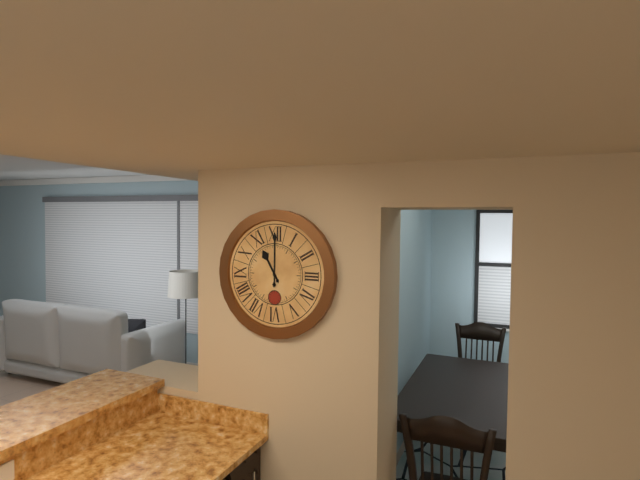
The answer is 11:00
